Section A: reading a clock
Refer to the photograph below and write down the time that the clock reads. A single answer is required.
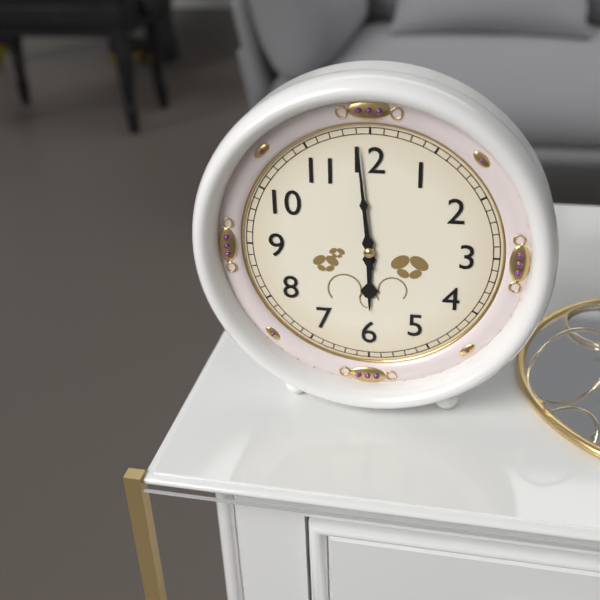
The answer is 5:59
